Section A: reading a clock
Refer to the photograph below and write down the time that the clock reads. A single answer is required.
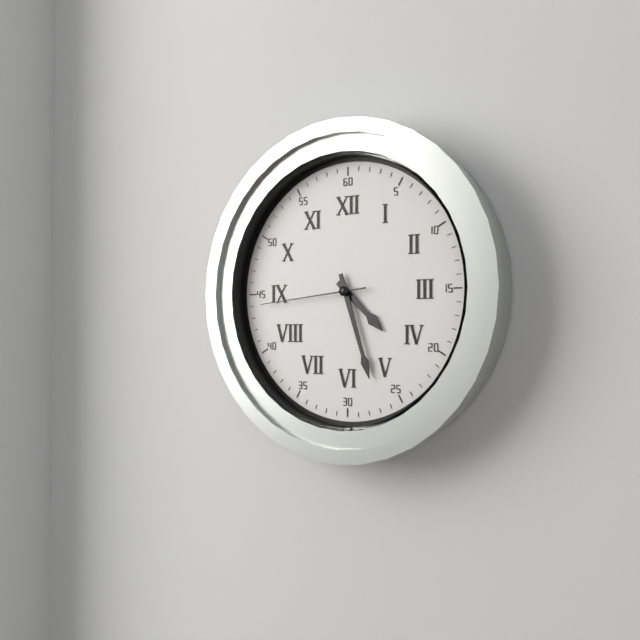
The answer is 4:27:44
